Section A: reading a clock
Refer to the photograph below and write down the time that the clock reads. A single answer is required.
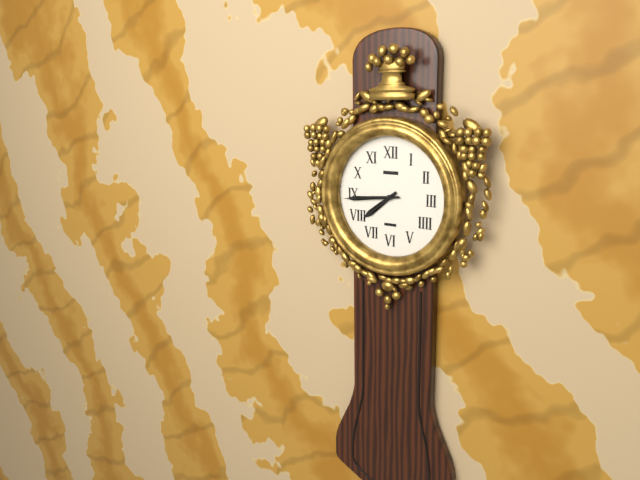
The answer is 7:44
